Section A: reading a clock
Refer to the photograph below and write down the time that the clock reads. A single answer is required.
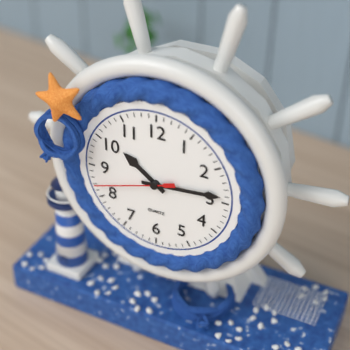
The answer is 10:14:42
